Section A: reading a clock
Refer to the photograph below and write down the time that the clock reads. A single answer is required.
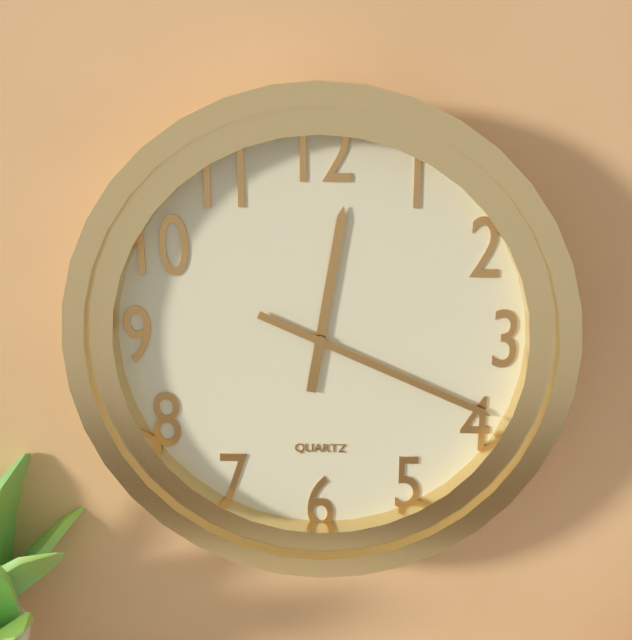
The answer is 12:19
